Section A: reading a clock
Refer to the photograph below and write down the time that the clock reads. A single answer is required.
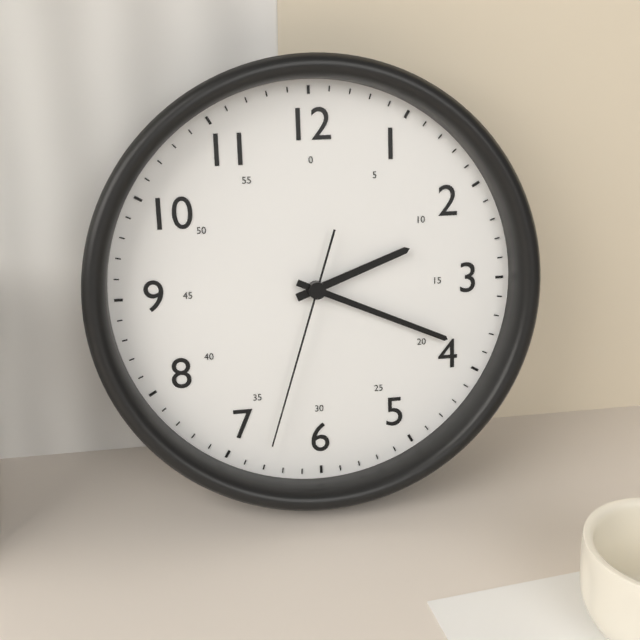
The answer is 2:19:33
